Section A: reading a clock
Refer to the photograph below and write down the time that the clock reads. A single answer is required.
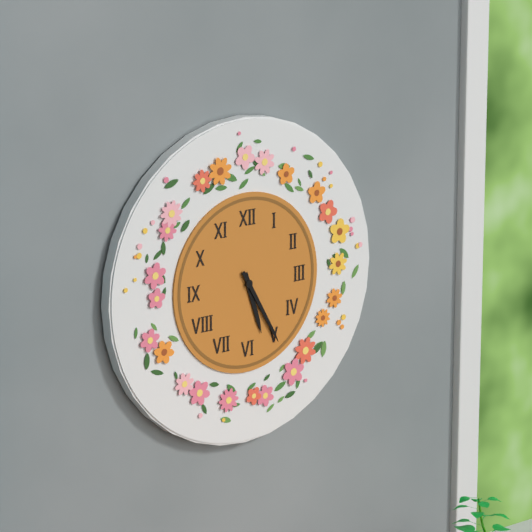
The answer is 5:25
